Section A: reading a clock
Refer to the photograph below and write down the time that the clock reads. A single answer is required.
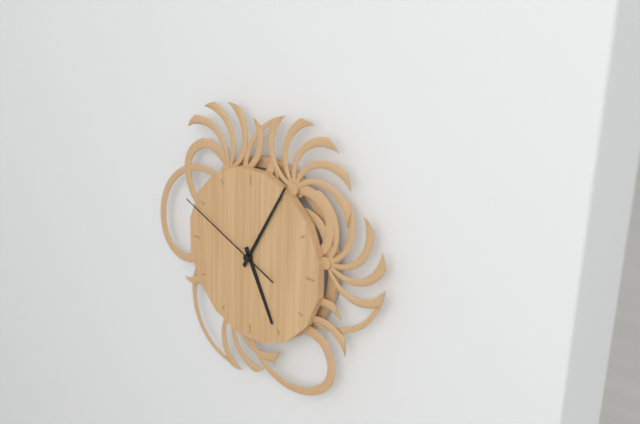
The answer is 5:05:49
